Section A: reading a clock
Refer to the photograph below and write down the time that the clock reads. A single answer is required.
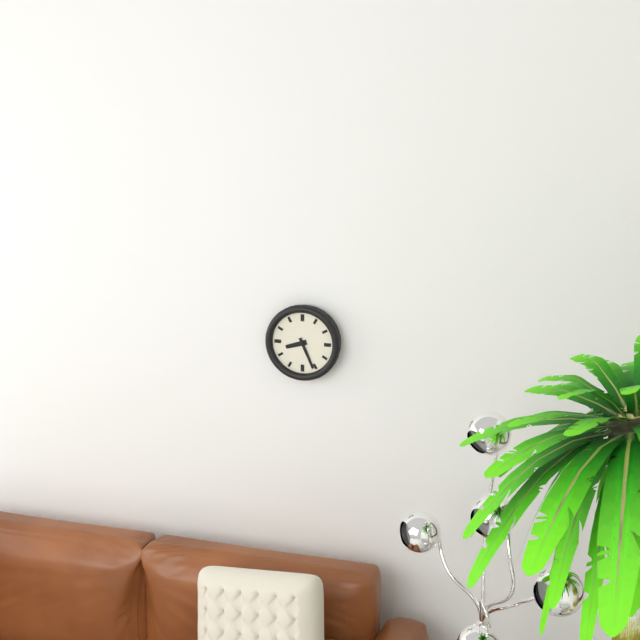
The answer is 8:26
